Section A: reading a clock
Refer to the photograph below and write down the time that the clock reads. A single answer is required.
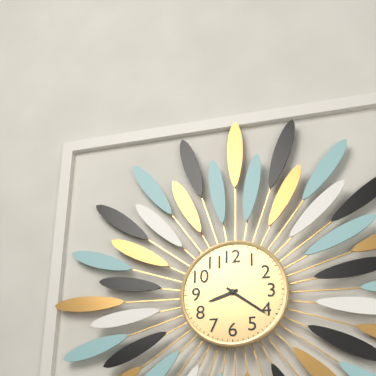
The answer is 8:21
